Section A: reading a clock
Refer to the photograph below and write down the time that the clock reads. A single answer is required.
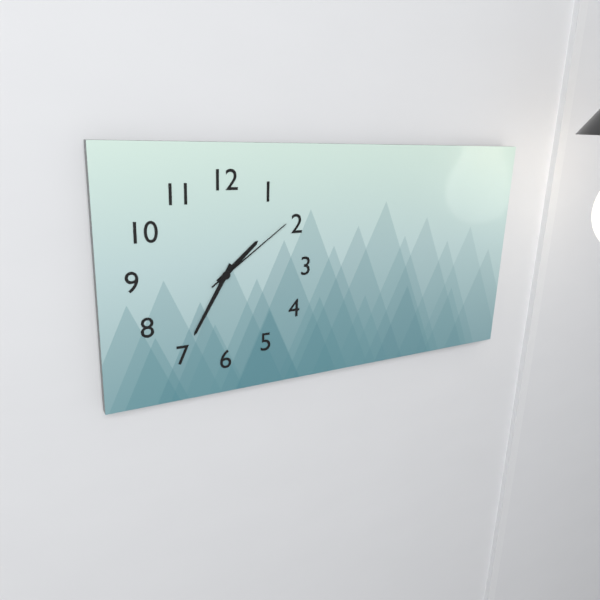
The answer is 1:35:09
